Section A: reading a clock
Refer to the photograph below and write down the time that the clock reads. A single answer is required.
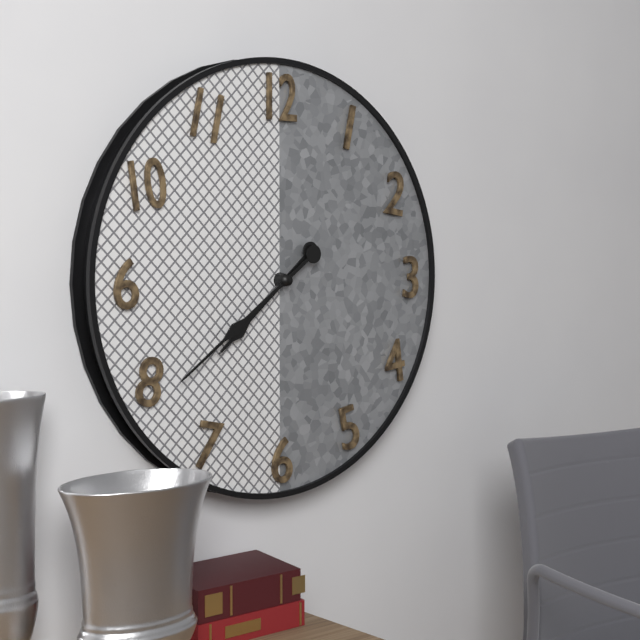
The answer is 7:39
